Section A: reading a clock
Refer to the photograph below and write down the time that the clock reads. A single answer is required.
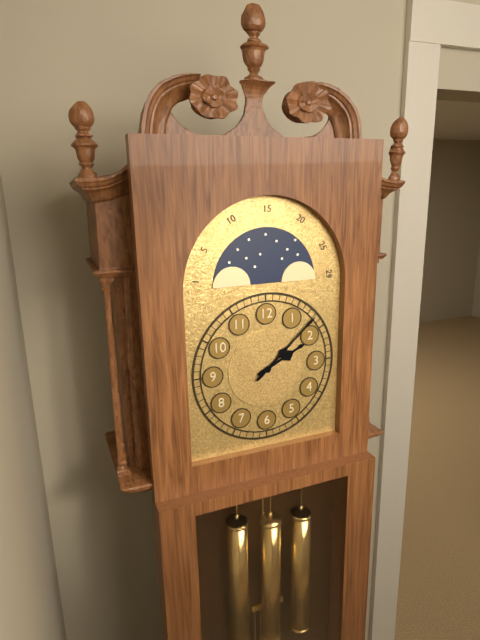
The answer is 2:08
